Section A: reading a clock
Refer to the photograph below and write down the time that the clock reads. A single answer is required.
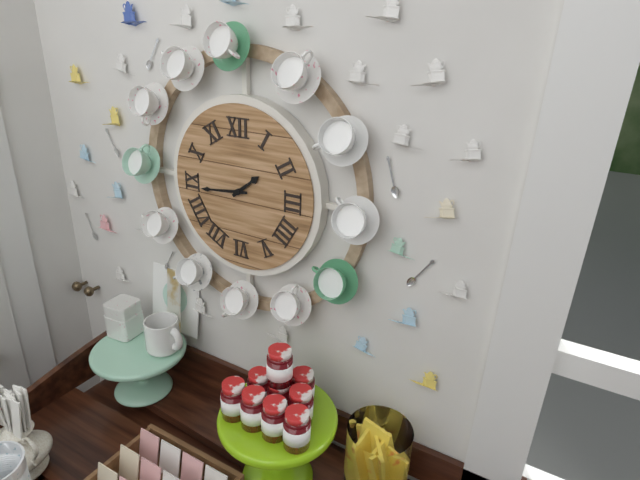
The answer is 1:44
